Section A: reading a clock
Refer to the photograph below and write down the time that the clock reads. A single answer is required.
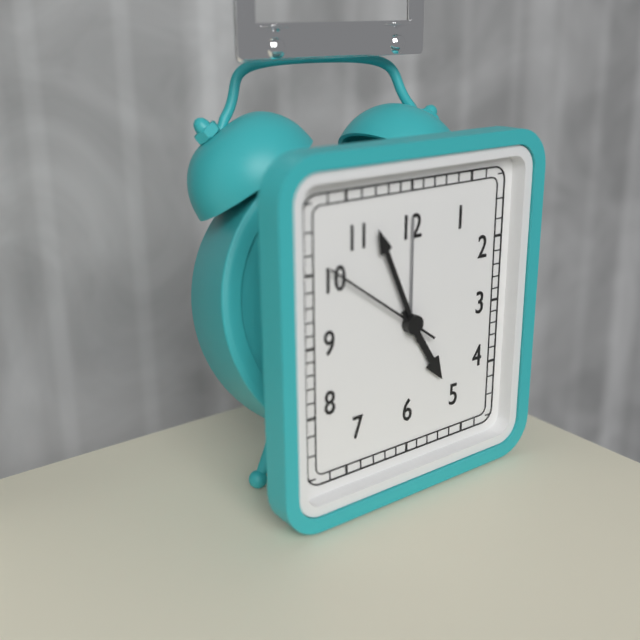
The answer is 4:56
